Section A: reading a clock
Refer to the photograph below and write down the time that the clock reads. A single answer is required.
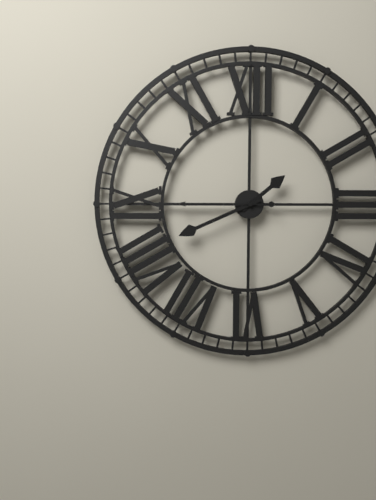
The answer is 1:41:45
